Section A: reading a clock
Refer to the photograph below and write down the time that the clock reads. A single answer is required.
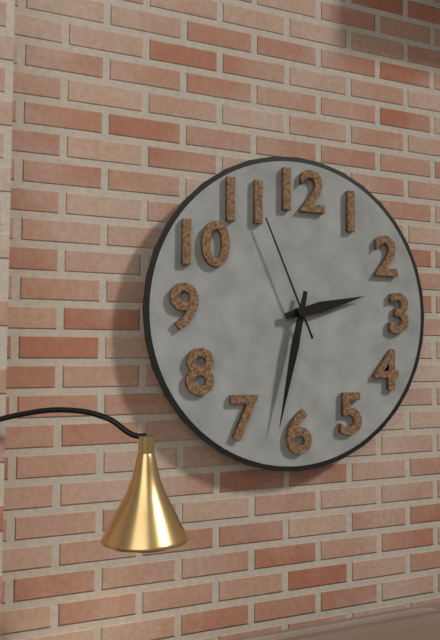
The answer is 2:32:56
